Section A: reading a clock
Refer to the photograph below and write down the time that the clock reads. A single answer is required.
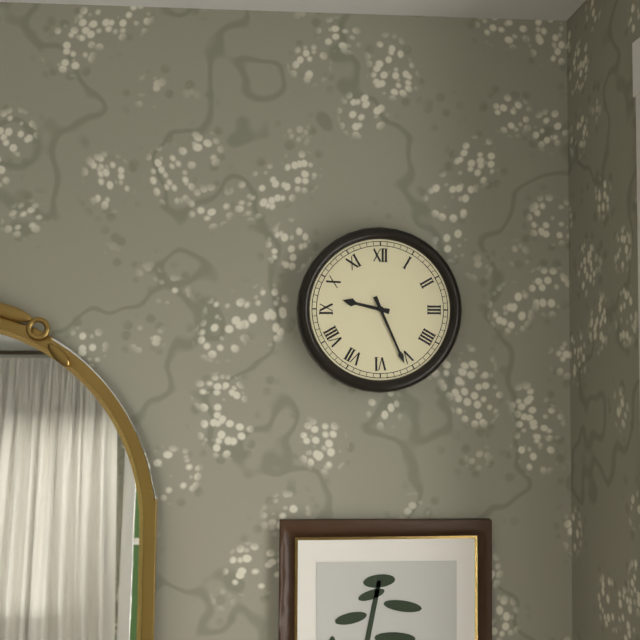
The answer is 9:26
